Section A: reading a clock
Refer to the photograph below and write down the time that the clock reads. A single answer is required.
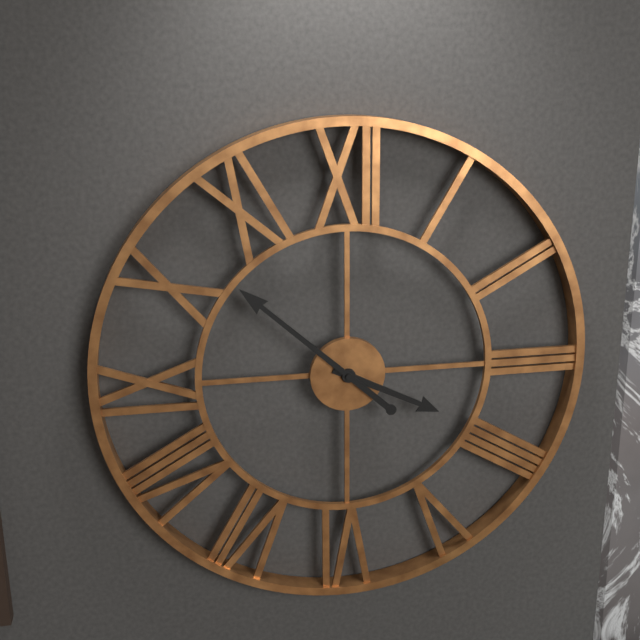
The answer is 3:52
